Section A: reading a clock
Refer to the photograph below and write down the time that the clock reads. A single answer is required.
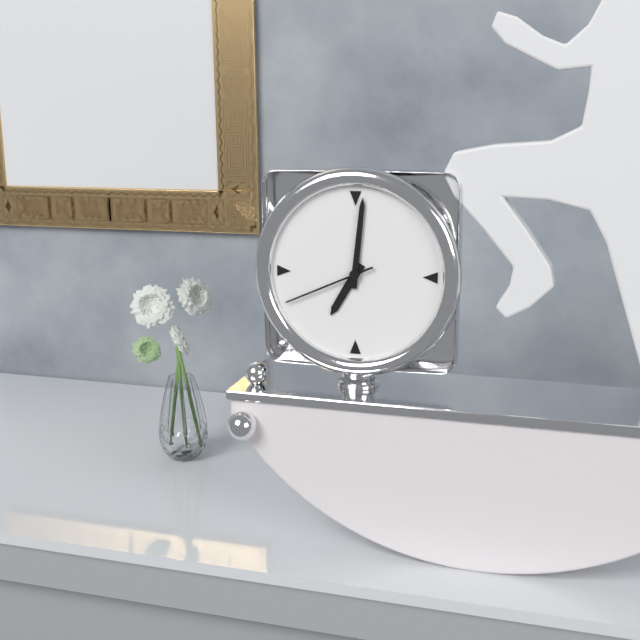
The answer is 7:01:41
